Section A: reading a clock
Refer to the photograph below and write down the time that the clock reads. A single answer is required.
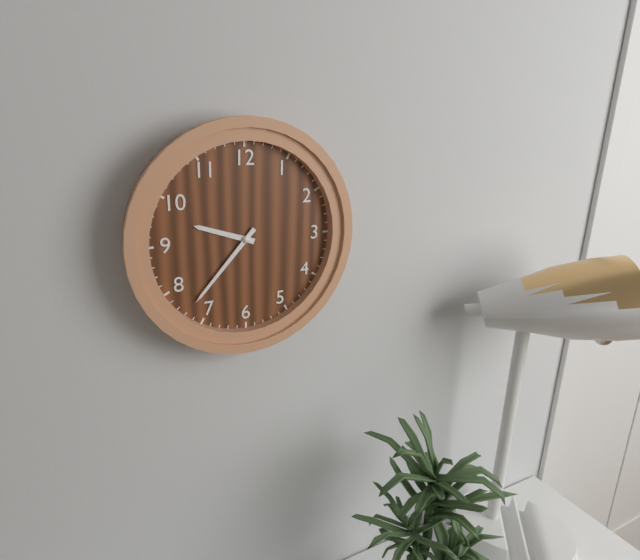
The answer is 9:37
